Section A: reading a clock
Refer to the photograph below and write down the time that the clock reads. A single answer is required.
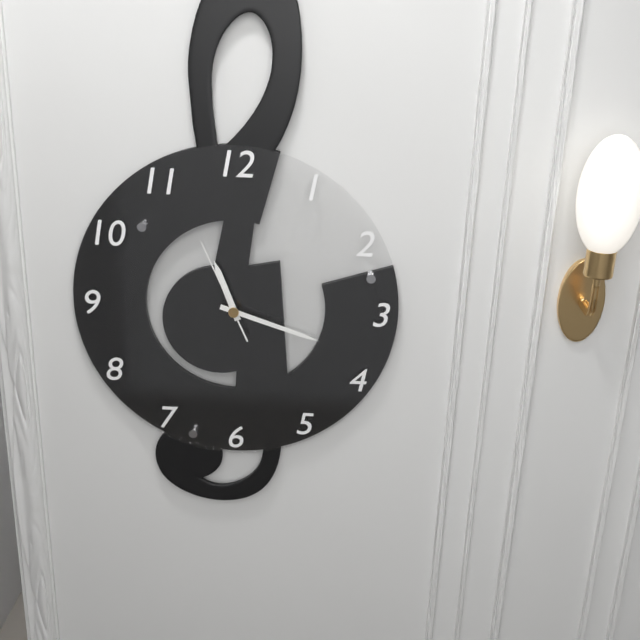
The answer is 11:18:56
